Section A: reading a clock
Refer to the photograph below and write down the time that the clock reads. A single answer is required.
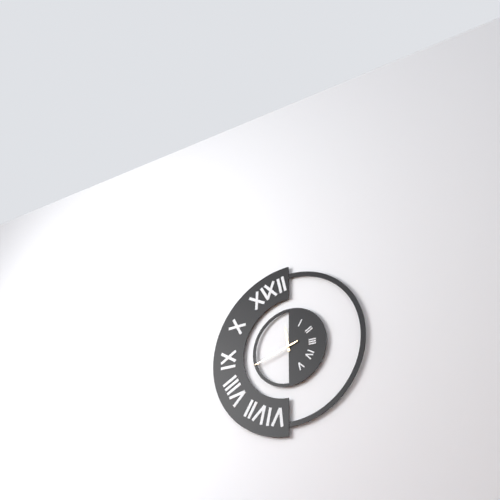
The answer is 11:42
